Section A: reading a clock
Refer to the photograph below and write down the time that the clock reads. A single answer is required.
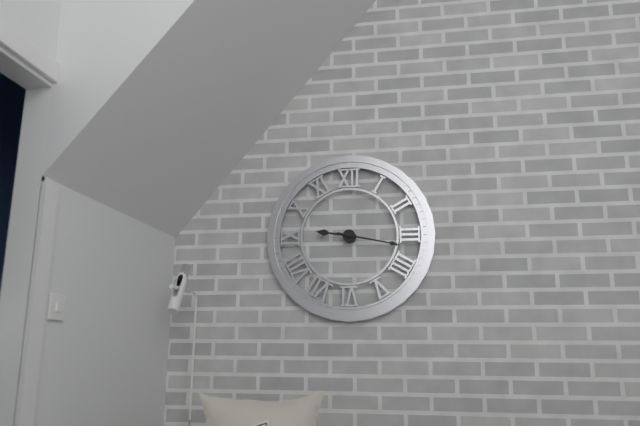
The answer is 9:17
